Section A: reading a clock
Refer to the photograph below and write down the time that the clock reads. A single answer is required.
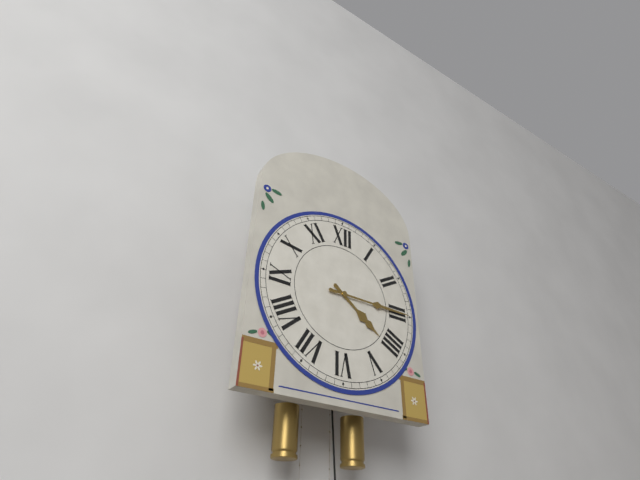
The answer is 4:15
